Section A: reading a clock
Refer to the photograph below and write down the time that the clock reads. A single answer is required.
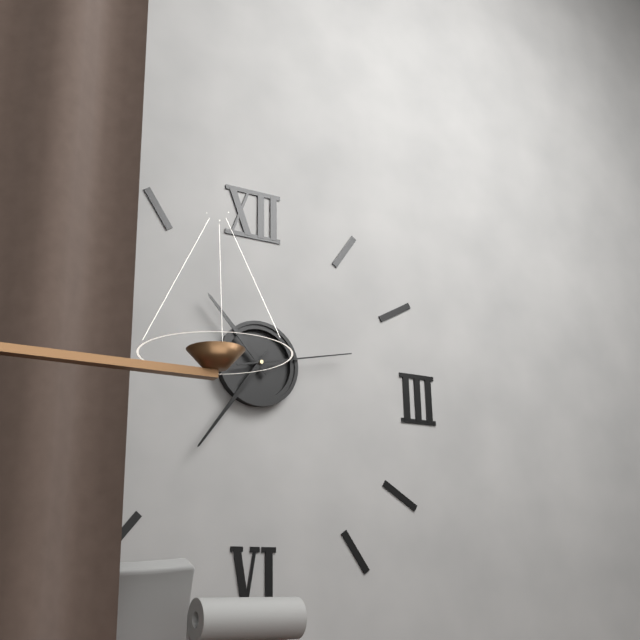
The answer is 10:36:13
